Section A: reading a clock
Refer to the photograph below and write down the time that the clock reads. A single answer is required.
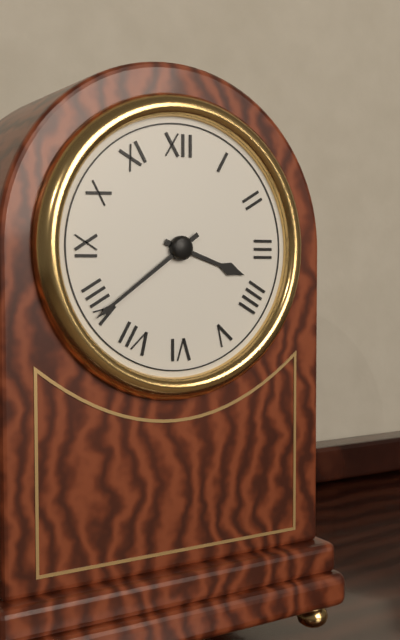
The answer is 3:39
